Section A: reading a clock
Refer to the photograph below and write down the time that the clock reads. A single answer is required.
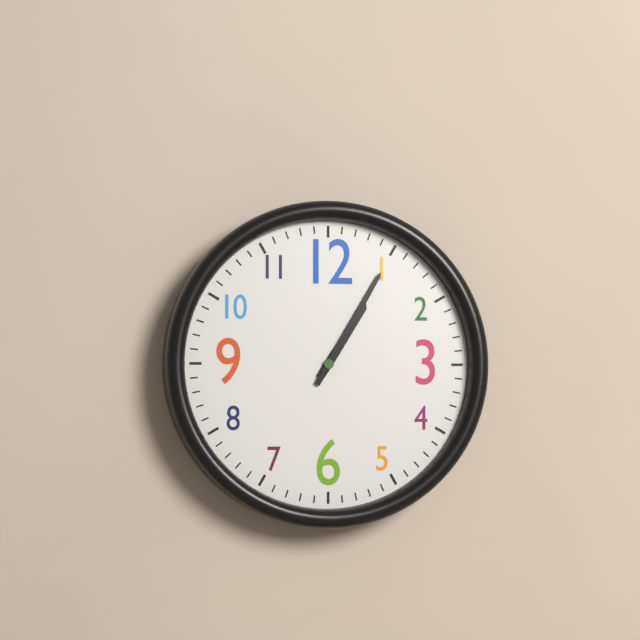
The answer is 1:05
